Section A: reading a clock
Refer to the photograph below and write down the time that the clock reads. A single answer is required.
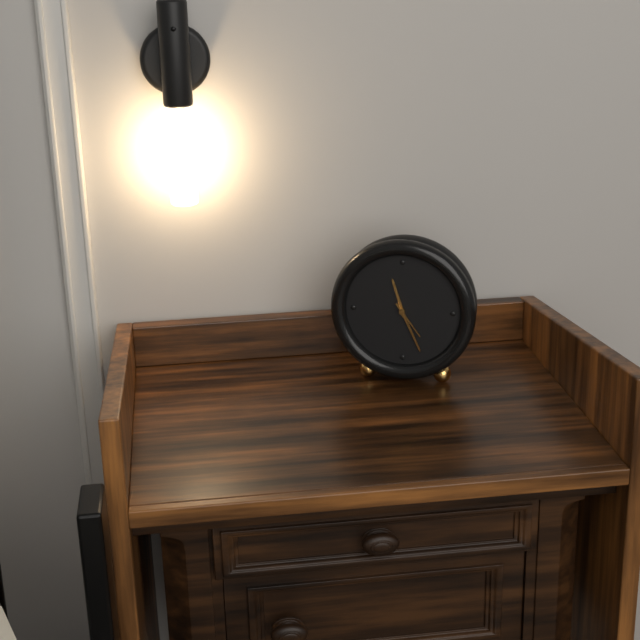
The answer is 11:26
